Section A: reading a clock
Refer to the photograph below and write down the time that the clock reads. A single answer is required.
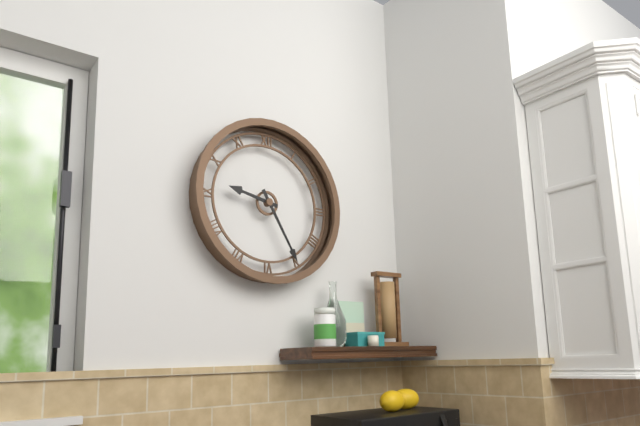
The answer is 9:25
